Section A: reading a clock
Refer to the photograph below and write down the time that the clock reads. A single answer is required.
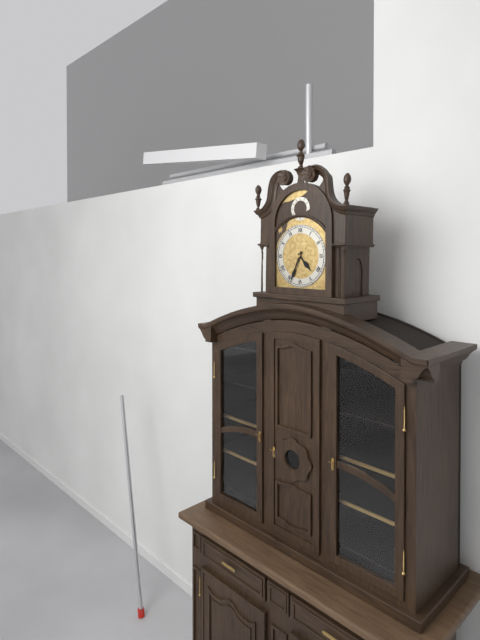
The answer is 4:34
